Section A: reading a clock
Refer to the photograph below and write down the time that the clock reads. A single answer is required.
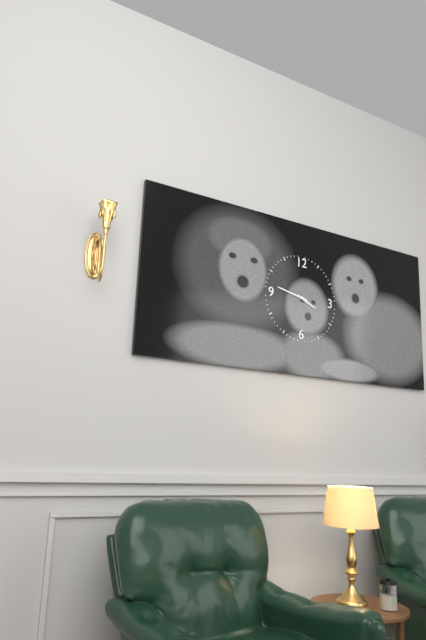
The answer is 3:47
